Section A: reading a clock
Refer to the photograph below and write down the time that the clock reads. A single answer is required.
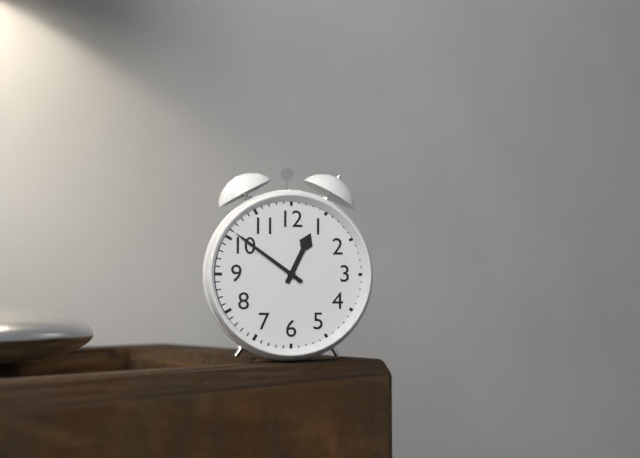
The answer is 12:51
